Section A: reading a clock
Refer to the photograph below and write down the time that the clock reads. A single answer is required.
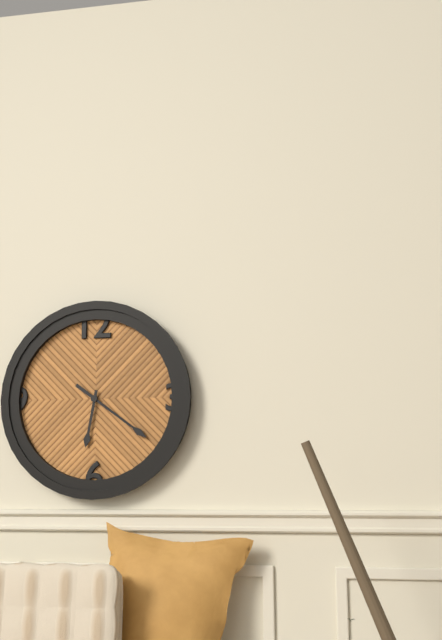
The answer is 6:21
